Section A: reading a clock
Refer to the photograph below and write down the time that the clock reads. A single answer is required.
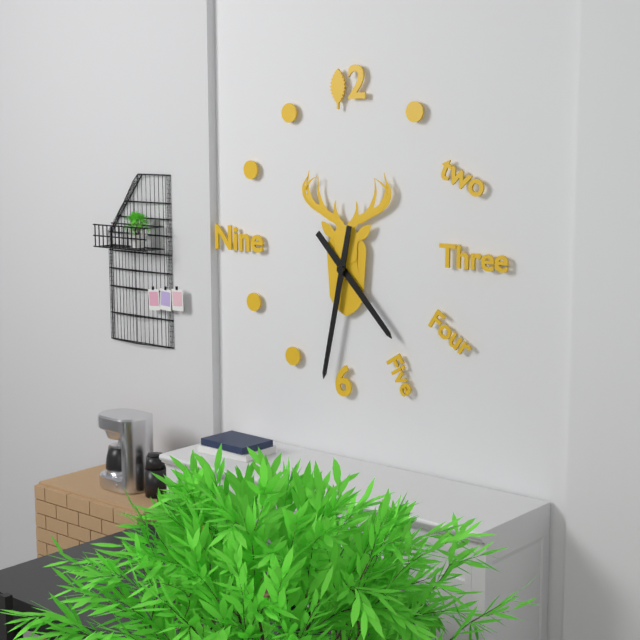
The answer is 4:32
